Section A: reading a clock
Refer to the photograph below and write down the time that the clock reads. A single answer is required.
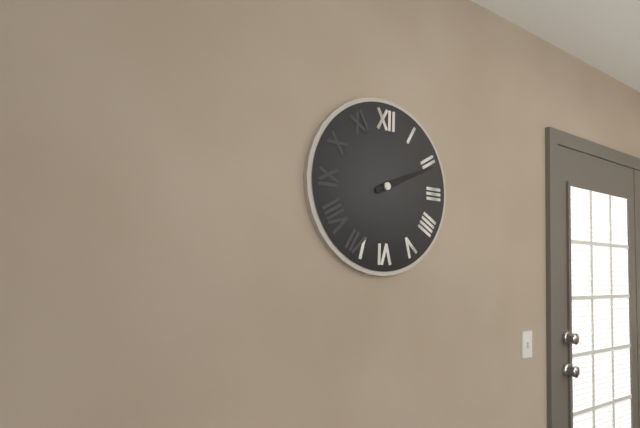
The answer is 2:11
